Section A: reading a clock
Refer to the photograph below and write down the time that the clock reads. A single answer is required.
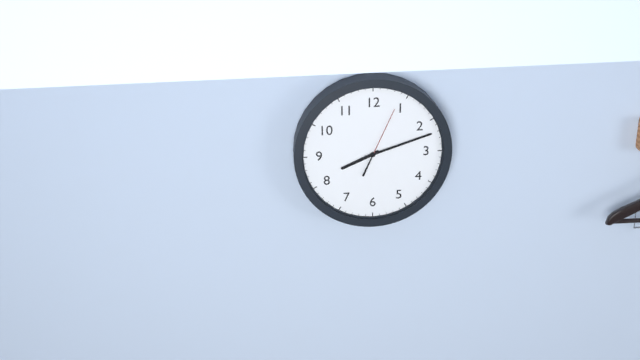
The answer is 8:12:04
